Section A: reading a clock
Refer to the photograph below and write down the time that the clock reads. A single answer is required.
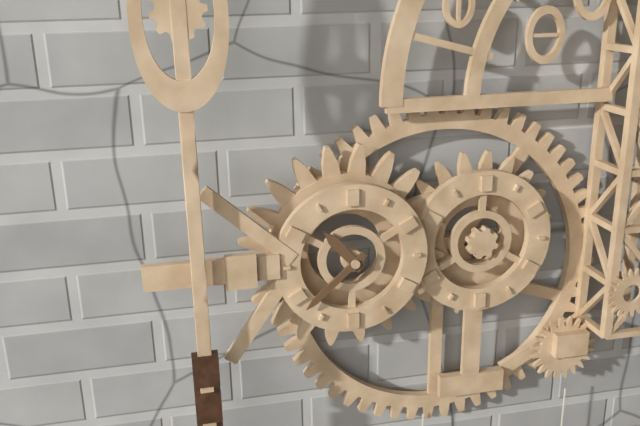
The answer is 10:38
